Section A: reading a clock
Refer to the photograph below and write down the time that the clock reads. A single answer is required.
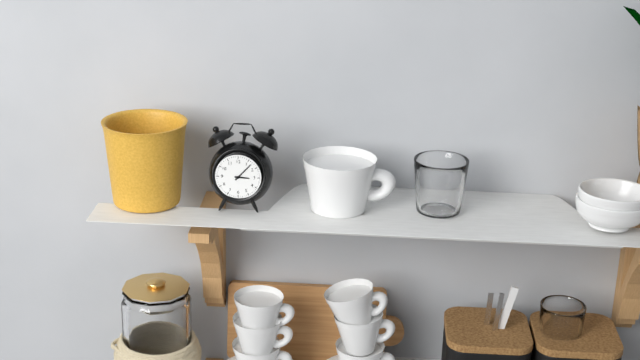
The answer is 3:07
